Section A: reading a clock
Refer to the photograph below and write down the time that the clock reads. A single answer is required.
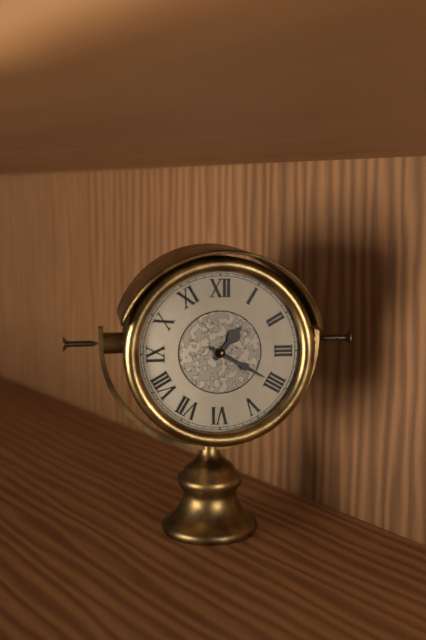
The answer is 1:20
